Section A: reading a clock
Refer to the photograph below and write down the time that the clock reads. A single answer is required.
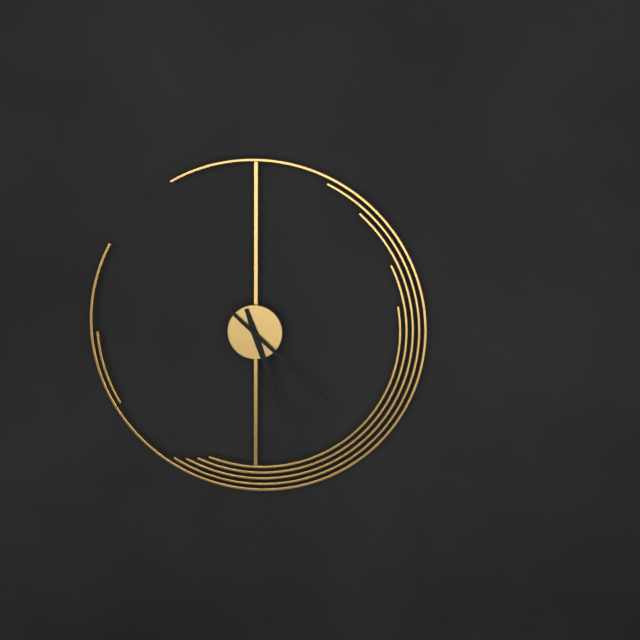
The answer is 5:22
